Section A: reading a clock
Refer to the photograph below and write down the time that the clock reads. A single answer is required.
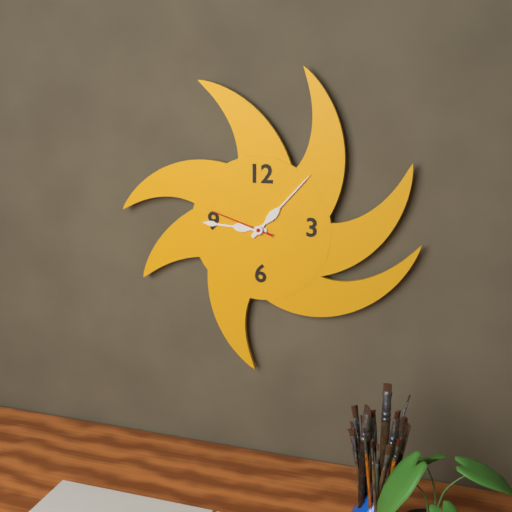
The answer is 9:07:48
